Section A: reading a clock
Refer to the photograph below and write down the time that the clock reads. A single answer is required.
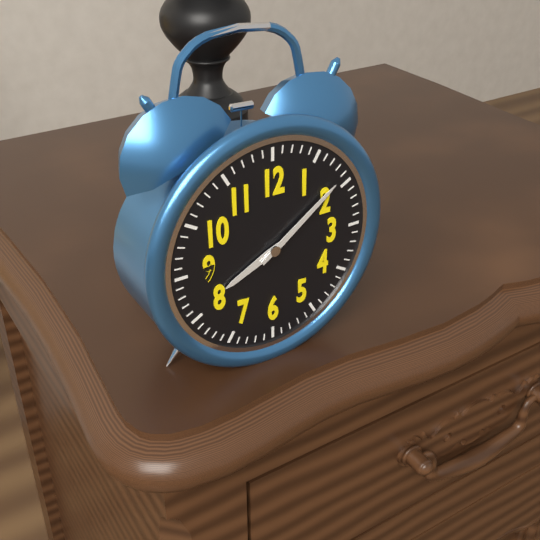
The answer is 8:09
